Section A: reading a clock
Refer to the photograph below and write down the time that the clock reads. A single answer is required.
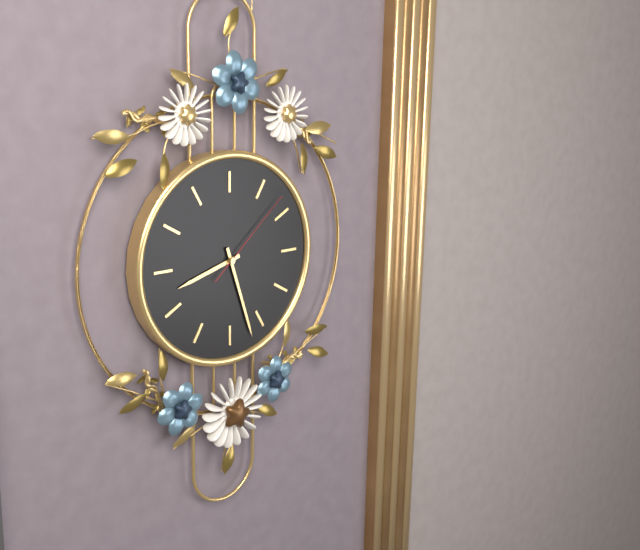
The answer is 8:27:08
